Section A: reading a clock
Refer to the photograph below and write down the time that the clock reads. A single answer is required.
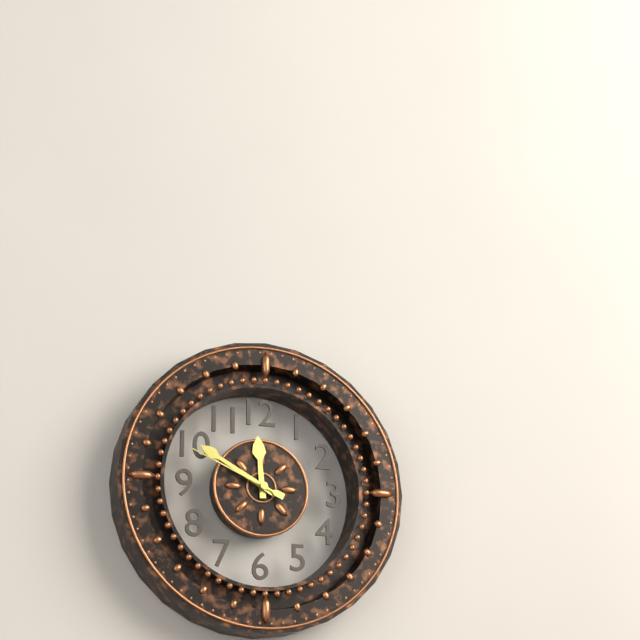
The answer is 11:50:49
